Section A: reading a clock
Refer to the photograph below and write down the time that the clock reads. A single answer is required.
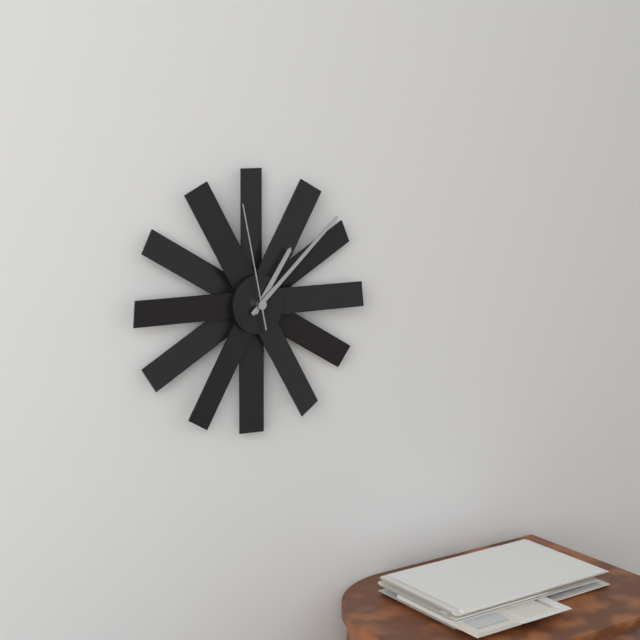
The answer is 1:08:58
